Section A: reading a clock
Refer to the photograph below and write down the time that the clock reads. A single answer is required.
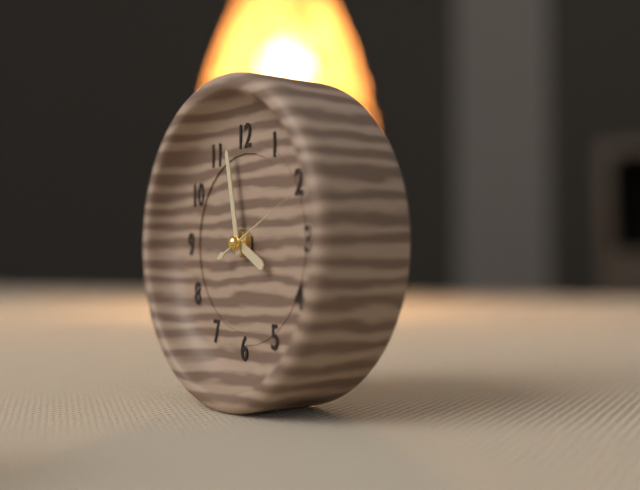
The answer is 3:58:11
